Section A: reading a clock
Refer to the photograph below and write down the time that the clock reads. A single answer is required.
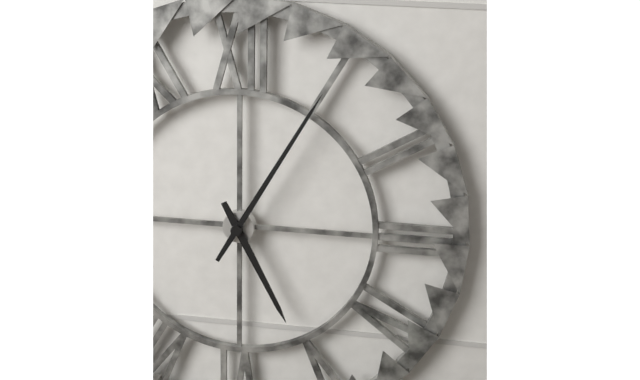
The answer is 5:05
